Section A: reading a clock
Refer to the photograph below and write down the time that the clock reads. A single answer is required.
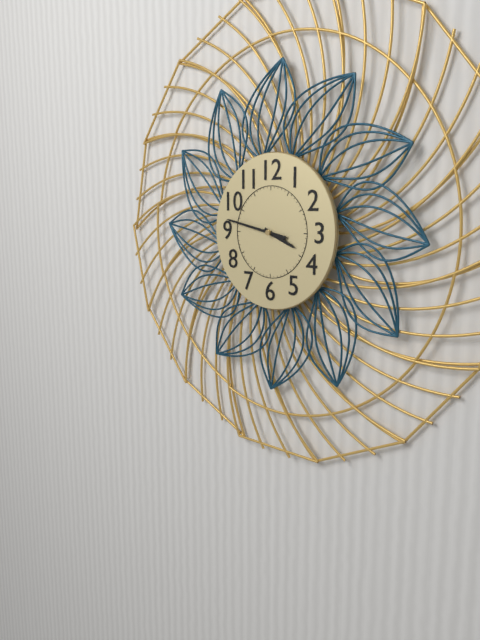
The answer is 3:47
